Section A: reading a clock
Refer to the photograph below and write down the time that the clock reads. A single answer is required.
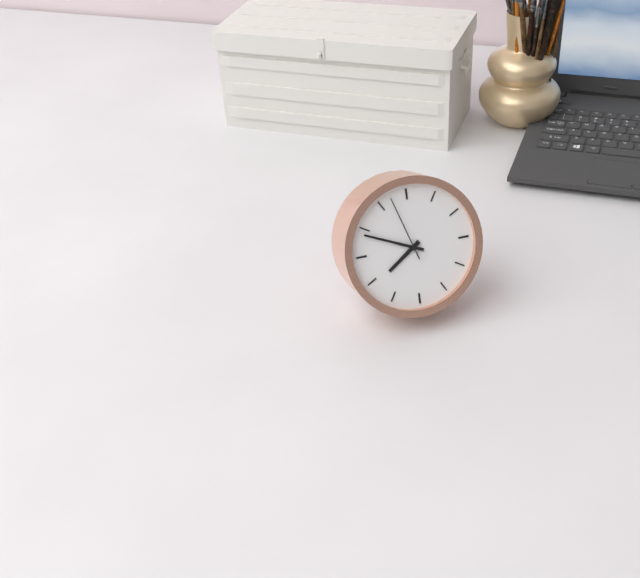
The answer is 7:49:57
